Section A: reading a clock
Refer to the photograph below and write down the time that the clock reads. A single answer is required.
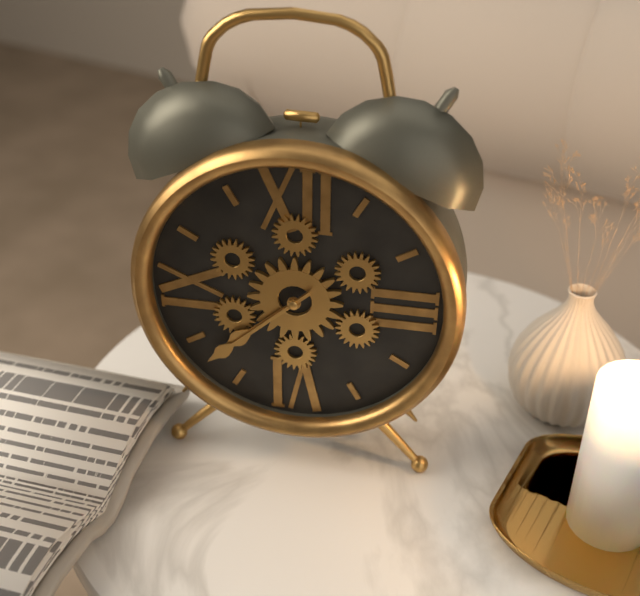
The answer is 7:38
